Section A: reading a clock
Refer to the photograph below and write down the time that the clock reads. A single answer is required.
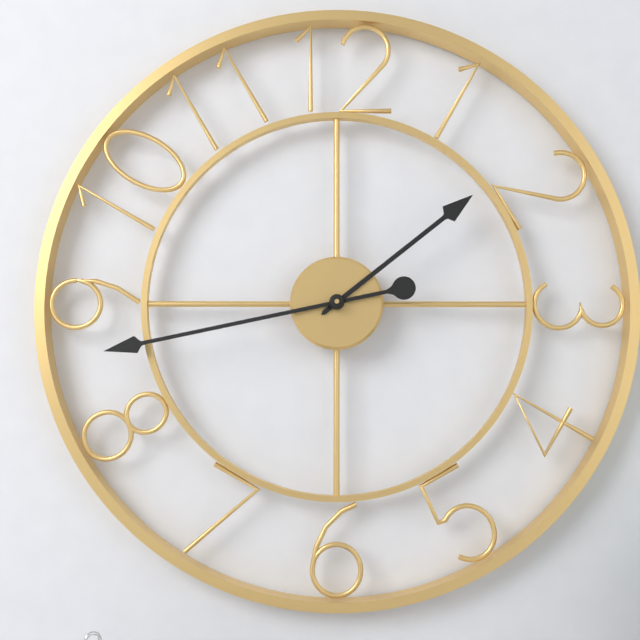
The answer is 1:43
